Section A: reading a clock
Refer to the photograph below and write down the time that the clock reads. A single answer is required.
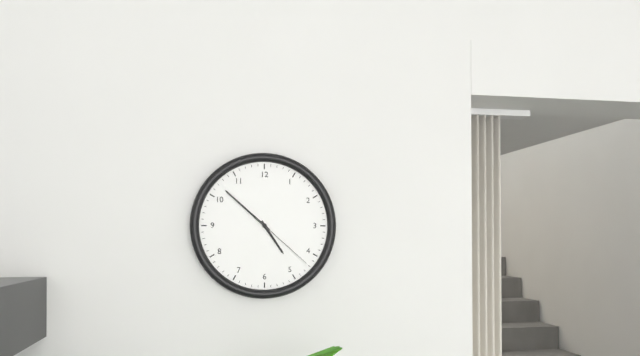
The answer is 4:52:22
